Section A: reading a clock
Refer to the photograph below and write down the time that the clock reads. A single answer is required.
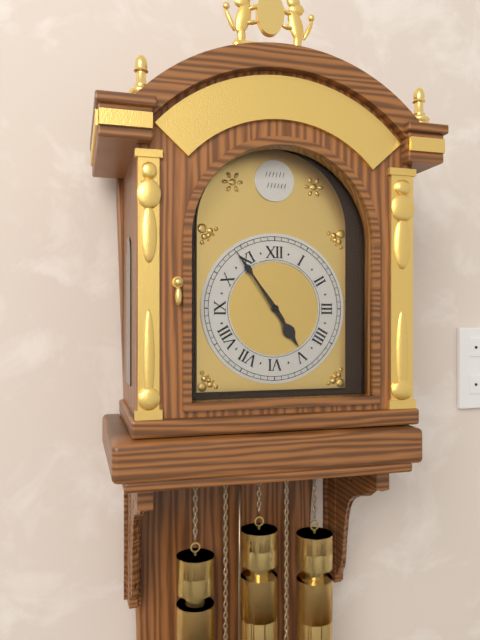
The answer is 4:54
